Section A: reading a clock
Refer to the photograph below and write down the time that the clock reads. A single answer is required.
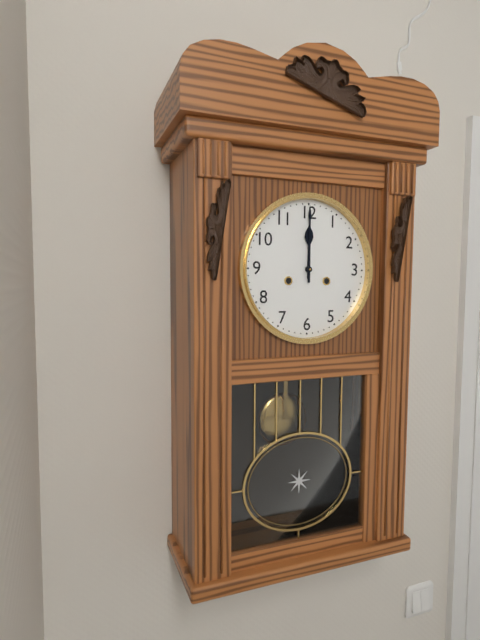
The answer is 12:00
